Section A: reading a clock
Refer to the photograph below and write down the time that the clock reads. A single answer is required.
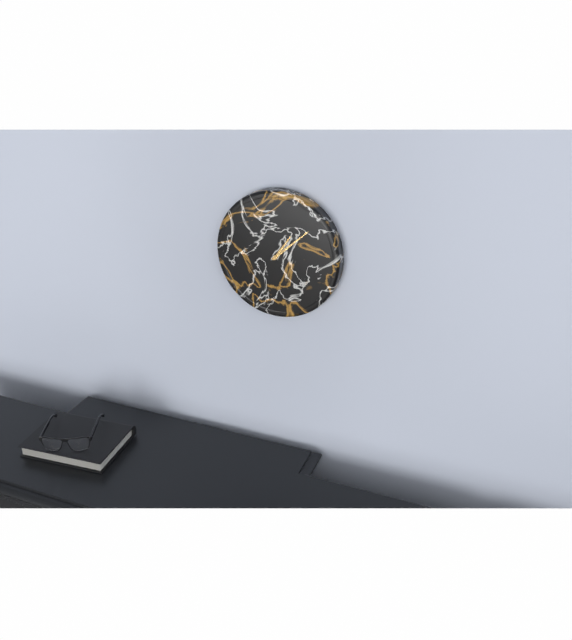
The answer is 1:08
